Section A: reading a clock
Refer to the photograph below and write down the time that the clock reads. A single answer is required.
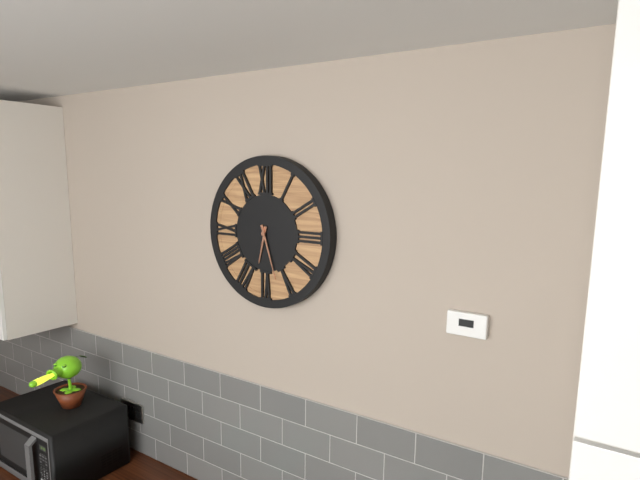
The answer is 6:27
